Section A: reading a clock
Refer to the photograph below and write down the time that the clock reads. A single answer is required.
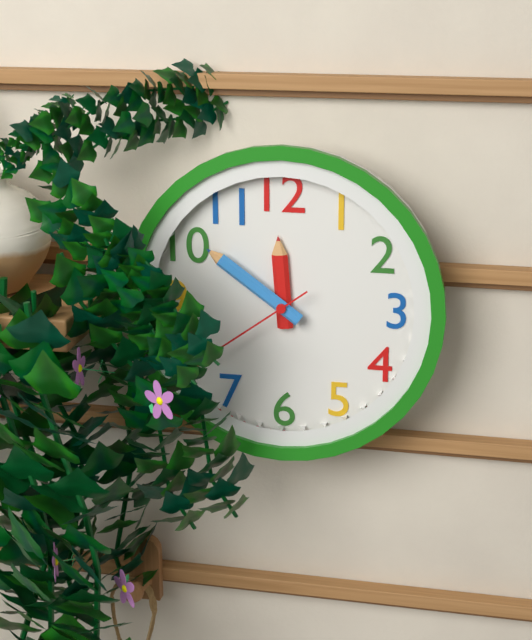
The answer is 11:51
